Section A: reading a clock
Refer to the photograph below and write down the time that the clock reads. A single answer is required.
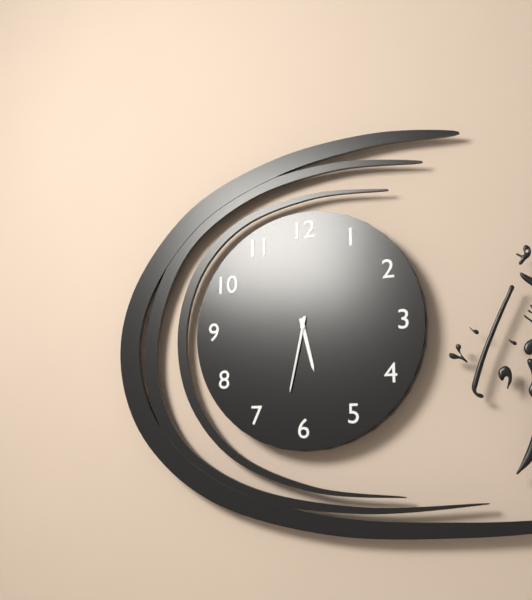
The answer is 5:32
